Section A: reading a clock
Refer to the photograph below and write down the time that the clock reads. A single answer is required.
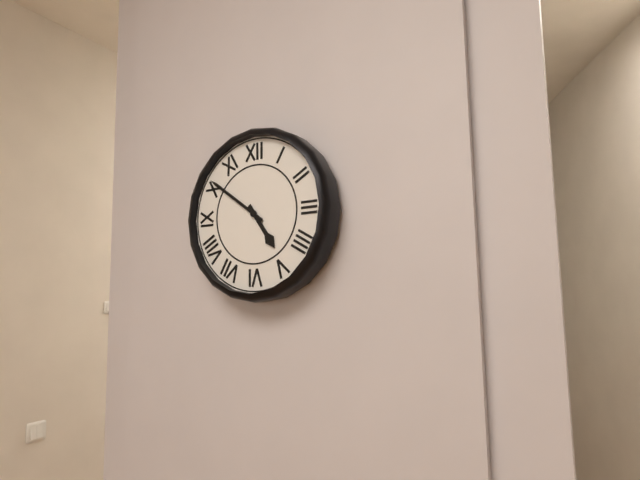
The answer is 4:51
